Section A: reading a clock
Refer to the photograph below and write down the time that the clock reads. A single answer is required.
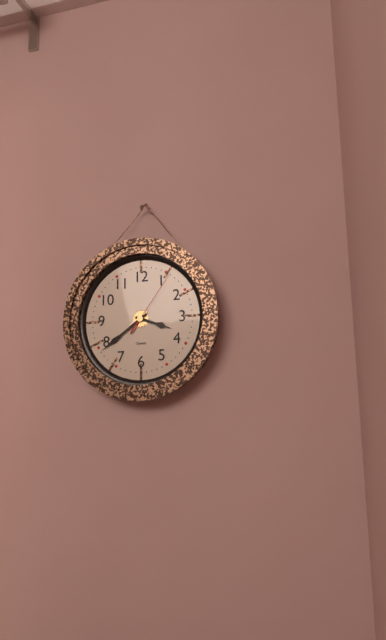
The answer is 3:39:06
